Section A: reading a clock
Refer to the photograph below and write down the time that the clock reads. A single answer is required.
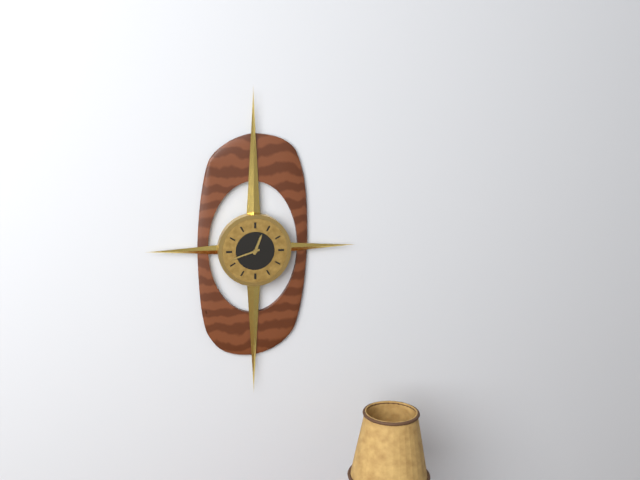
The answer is 12:42
